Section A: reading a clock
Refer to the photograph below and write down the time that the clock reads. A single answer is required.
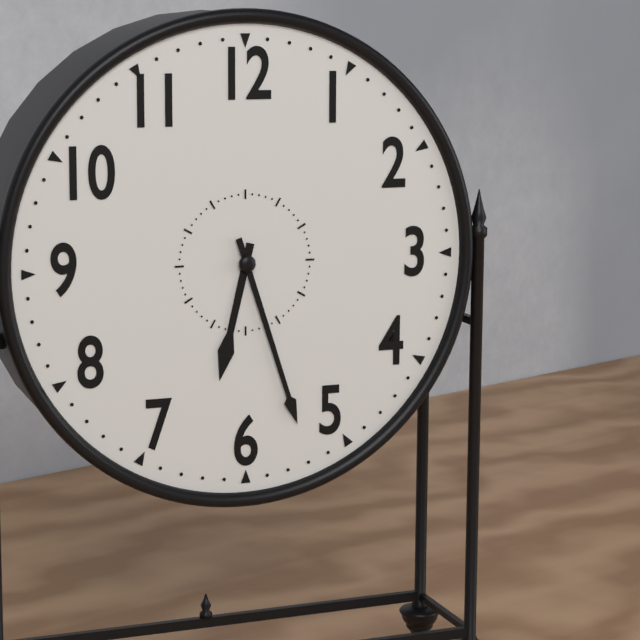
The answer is 6:27
